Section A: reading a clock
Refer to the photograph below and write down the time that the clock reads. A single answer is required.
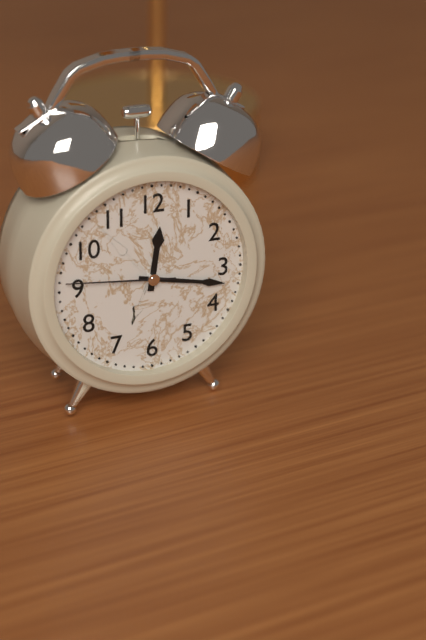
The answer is 12:17:46
